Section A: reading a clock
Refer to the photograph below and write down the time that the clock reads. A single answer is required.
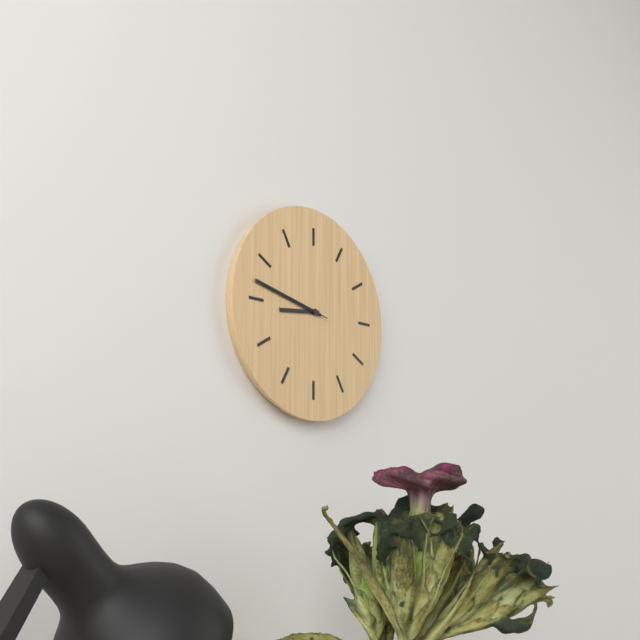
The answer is 8:47:47
